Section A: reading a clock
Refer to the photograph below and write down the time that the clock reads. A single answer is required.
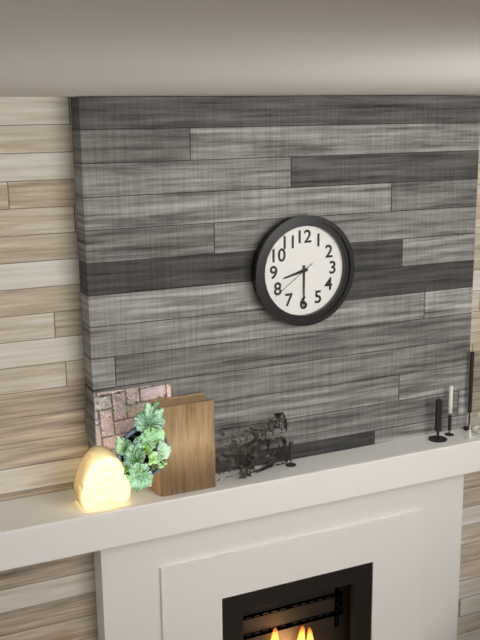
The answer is 8:30
